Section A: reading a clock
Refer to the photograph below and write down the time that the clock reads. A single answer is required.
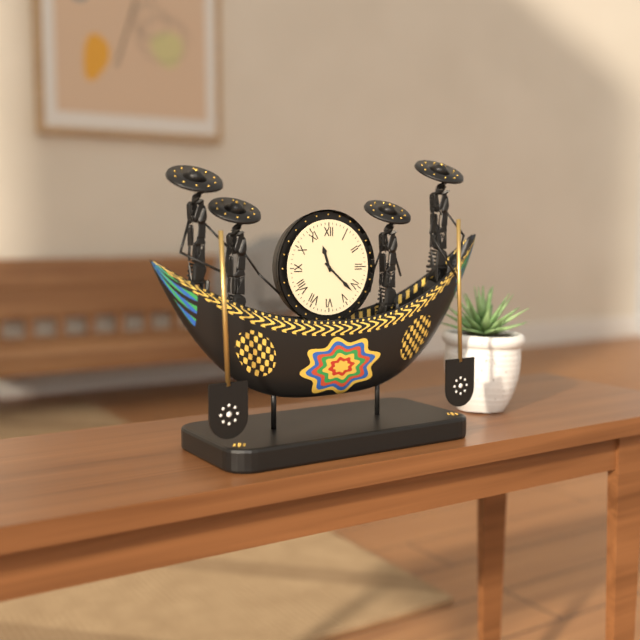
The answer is 11:22
